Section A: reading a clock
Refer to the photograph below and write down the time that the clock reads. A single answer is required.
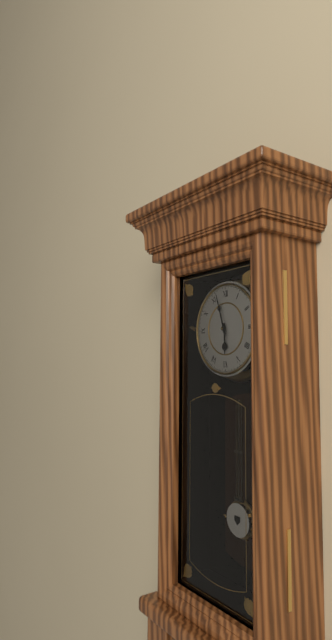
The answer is 5:57
